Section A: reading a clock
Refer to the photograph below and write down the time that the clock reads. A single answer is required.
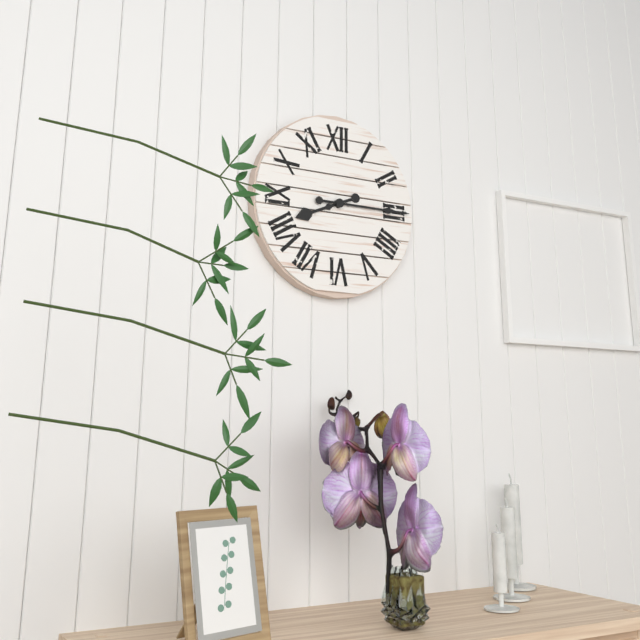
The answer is 8:15
